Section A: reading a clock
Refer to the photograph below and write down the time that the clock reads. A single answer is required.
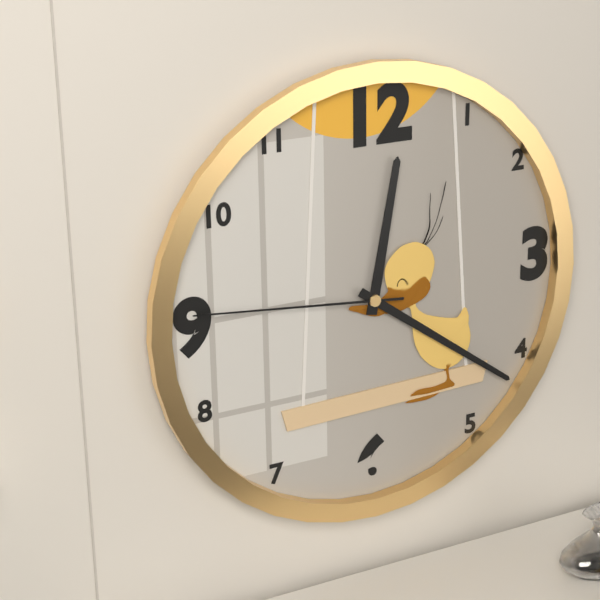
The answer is 12:21:46
